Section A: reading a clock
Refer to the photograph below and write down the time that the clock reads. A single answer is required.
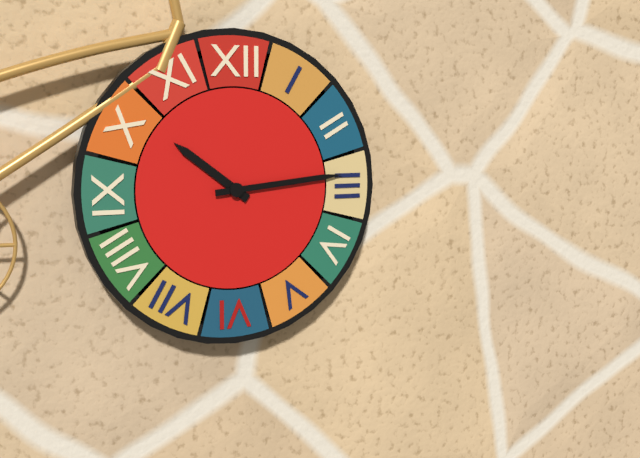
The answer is 10:14
